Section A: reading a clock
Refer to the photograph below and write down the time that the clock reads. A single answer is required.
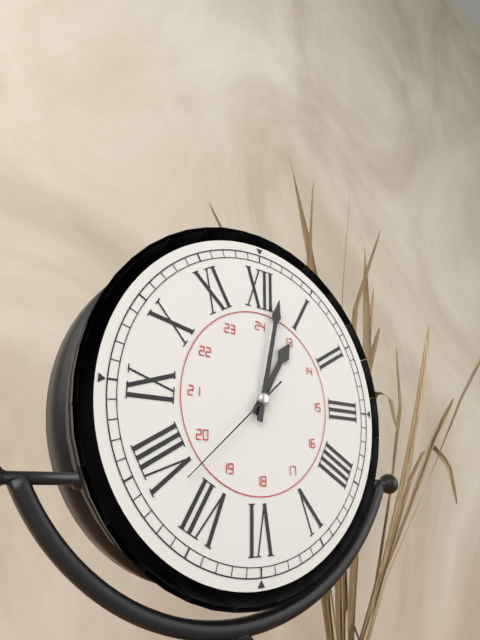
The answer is 1:02:38
